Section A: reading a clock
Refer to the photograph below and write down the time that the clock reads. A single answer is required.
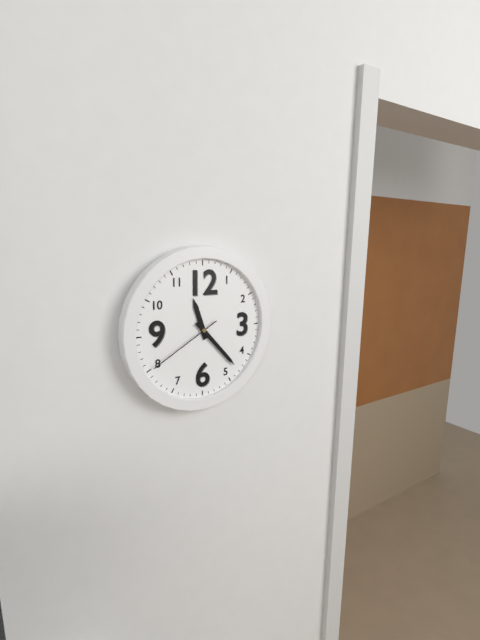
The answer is 11:23:40
